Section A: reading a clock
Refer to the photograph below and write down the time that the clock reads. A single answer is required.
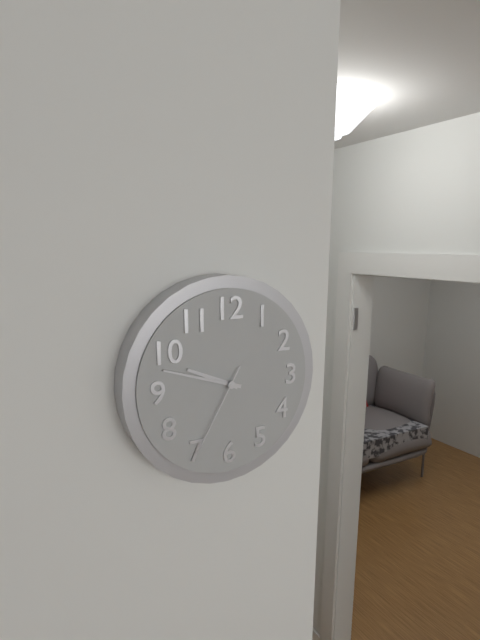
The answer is 9:48:35
